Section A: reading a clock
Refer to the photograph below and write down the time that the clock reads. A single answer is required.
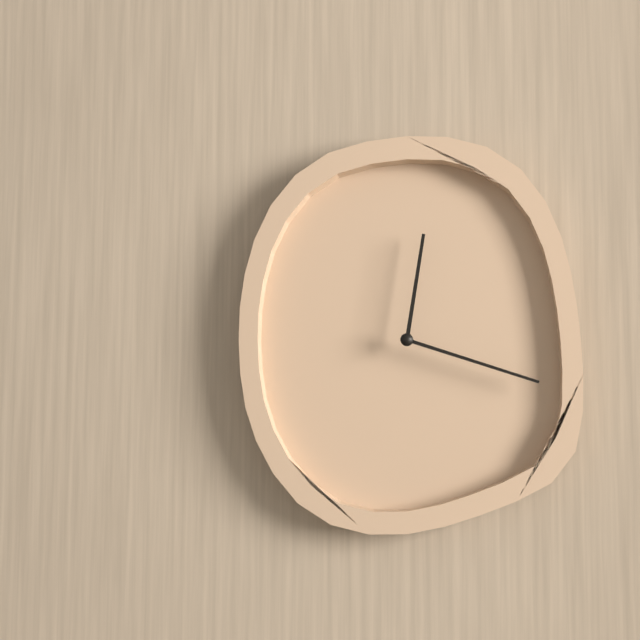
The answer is 12:18
